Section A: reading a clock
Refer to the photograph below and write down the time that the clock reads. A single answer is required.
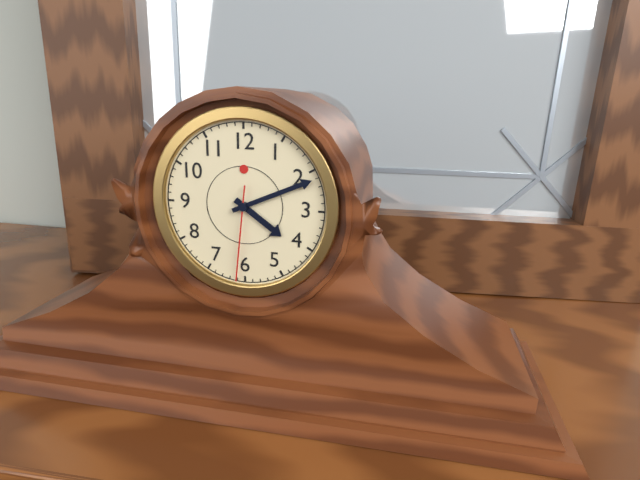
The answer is 4:11:31
